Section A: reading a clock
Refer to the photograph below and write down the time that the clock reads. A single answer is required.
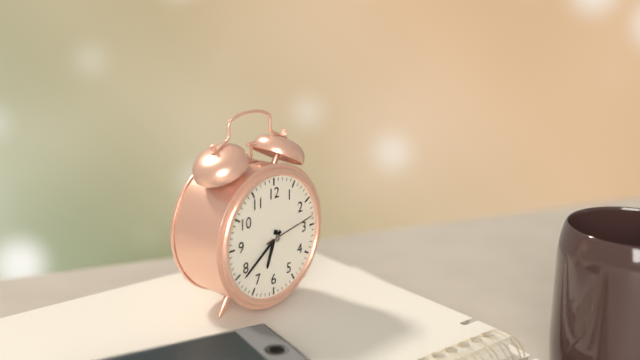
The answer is 6:39:13
